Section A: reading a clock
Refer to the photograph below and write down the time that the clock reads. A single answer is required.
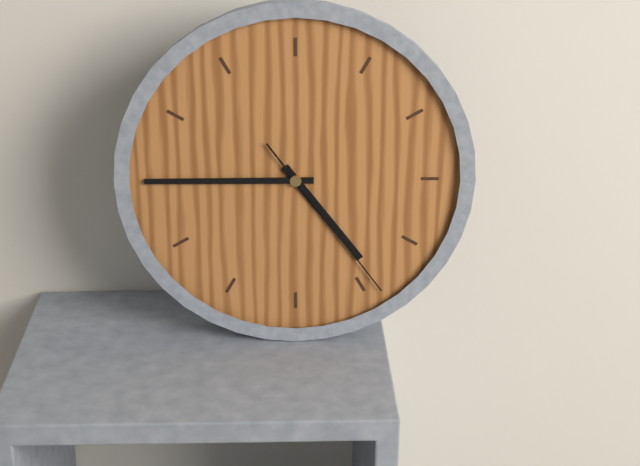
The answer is 4:45:24
